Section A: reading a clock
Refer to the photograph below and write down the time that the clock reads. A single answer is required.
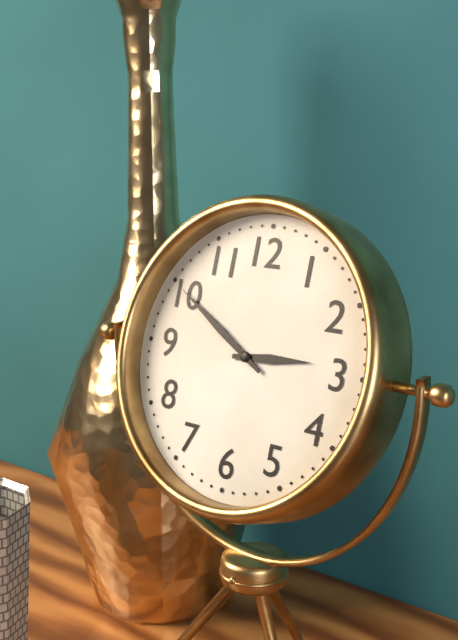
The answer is 2:50
